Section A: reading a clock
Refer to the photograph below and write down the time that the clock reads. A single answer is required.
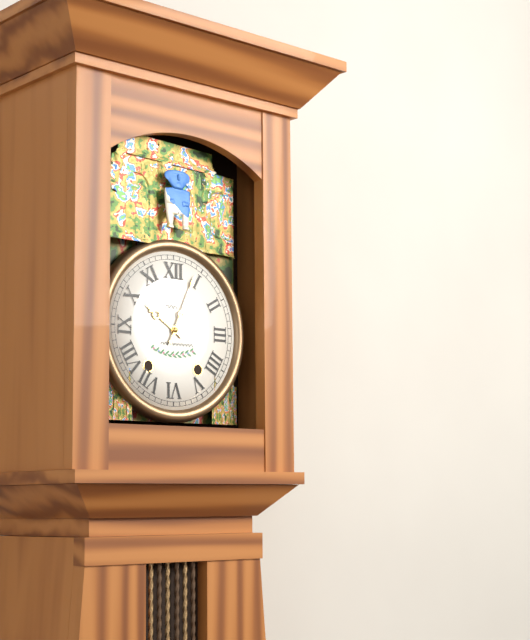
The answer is 10:04
